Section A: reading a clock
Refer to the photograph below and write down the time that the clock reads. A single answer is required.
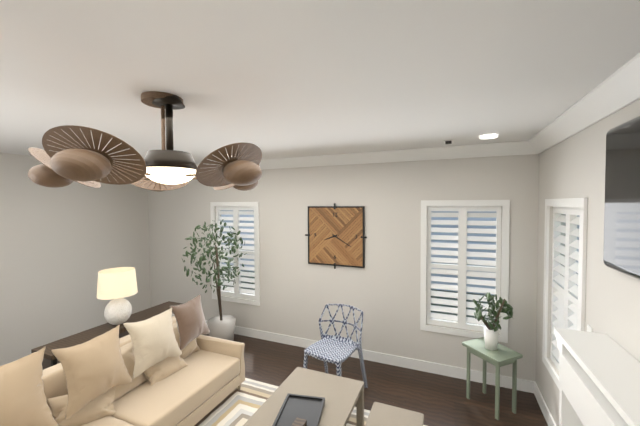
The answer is 8:20
